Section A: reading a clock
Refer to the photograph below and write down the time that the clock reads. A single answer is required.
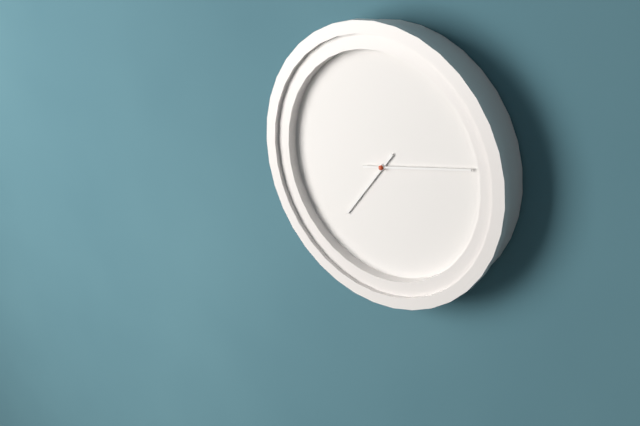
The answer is 7:13
